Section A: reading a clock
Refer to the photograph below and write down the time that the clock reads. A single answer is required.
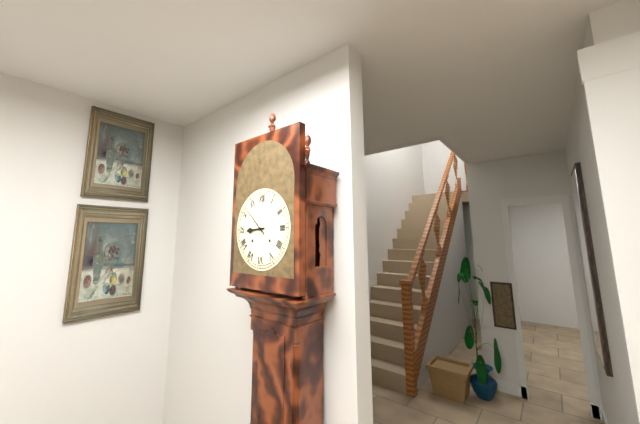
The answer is 8:52
